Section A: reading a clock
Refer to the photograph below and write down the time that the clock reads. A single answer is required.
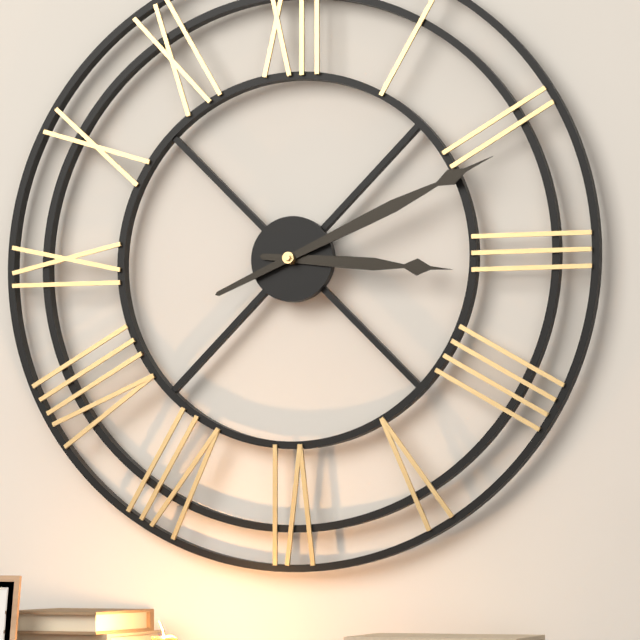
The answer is 3:11
